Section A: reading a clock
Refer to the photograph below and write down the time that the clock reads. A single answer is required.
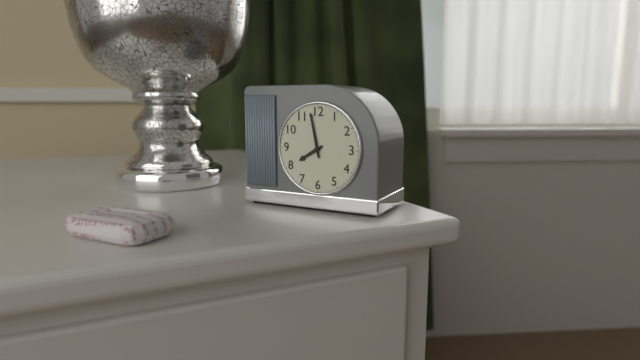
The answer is 7:58
